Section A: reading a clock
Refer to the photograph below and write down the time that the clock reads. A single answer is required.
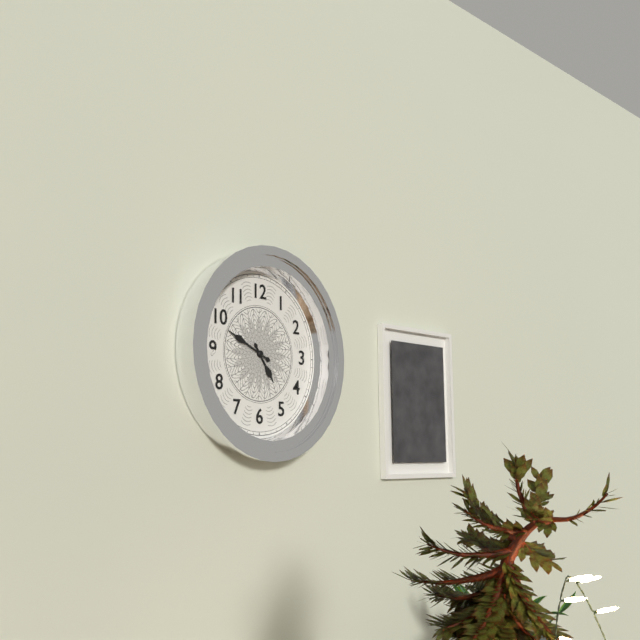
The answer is 4:49
